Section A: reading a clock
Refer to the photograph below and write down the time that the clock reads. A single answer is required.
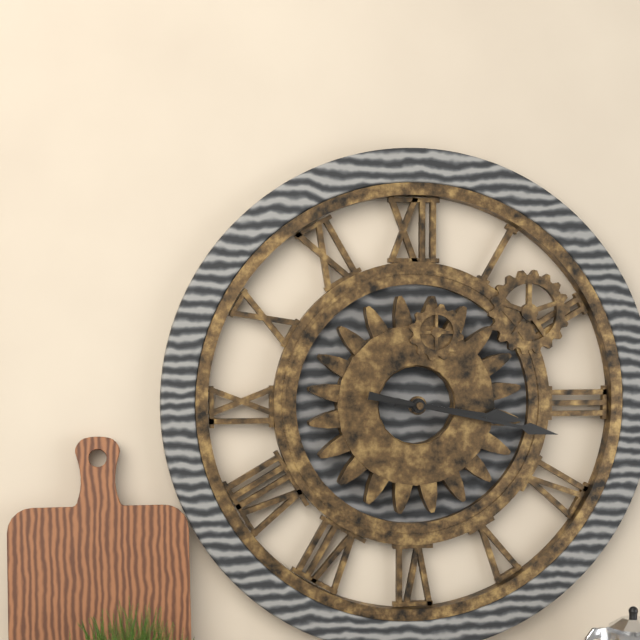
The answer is 3:17
